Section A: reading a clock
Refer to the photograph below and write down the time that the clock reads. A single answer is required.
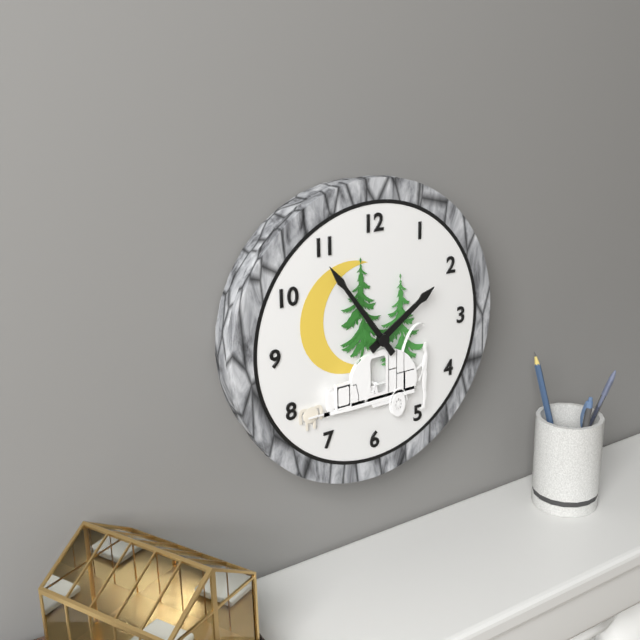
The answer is 1:54
